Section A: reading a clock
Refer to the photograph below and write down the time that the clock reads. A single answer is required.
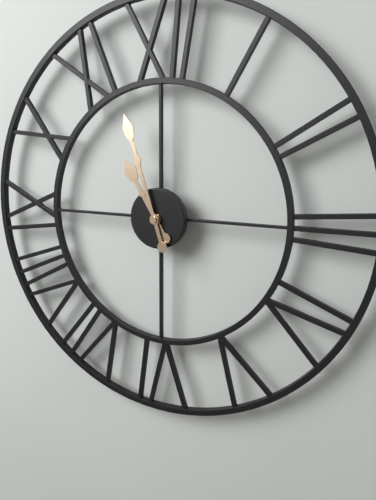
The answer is 10:57
